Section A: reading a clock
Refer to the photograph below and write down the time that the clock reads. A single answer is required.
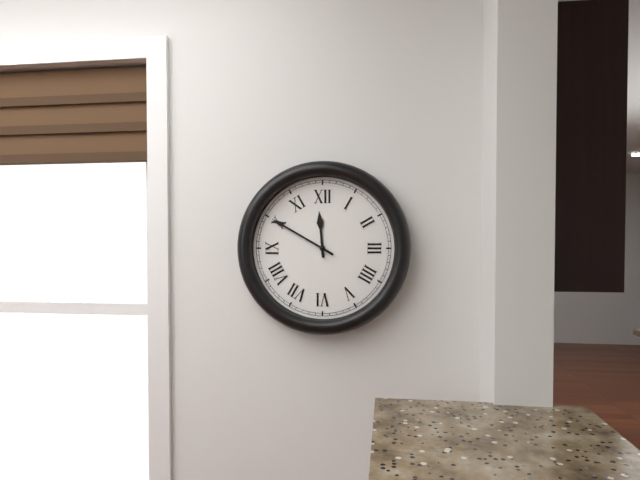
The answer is 11:50
